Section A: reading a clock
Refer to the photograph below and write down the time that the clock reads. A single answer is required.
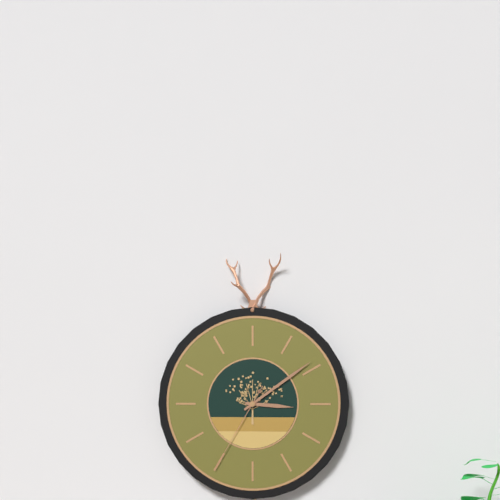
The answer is 3:09:35
